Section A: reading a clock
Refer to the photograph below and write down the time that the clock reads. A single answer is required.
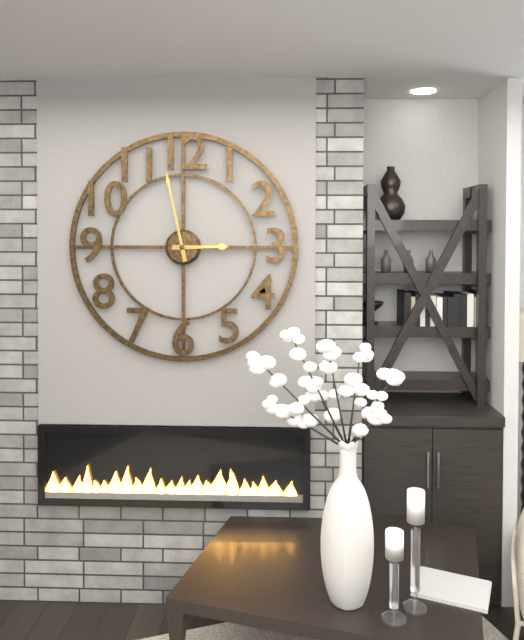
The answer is 2:58
